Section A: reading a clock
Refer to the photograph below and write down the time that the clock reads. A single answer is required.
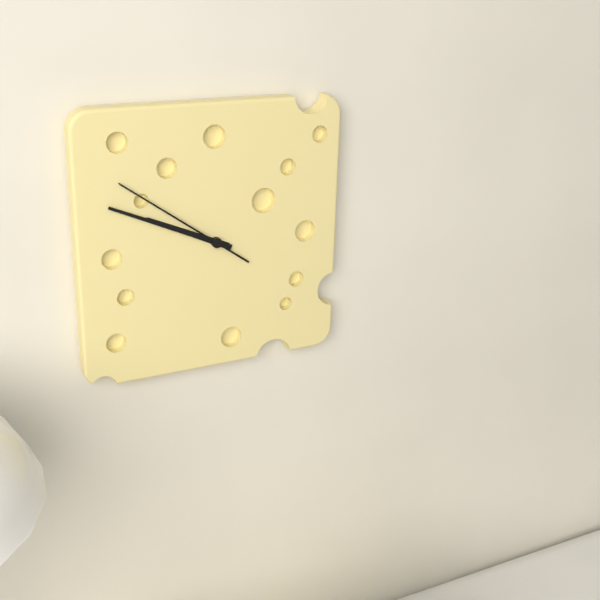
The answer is 9:49:51
